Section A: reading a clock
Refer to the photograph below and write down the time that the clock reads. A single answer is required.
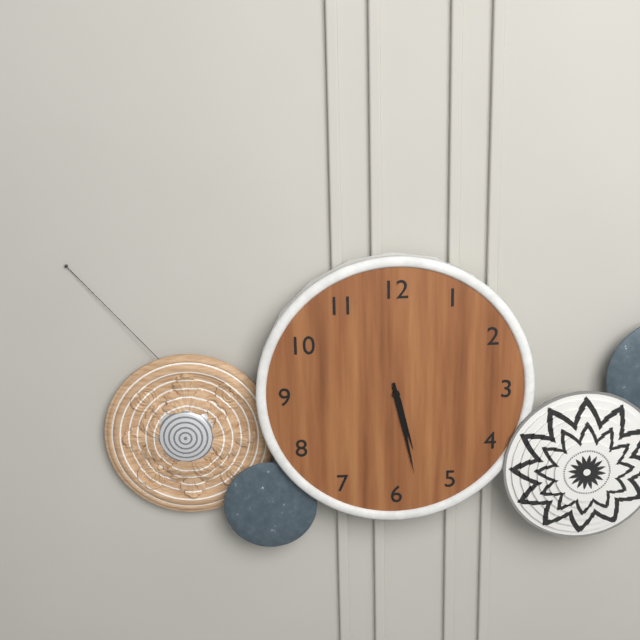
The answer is 5:28
